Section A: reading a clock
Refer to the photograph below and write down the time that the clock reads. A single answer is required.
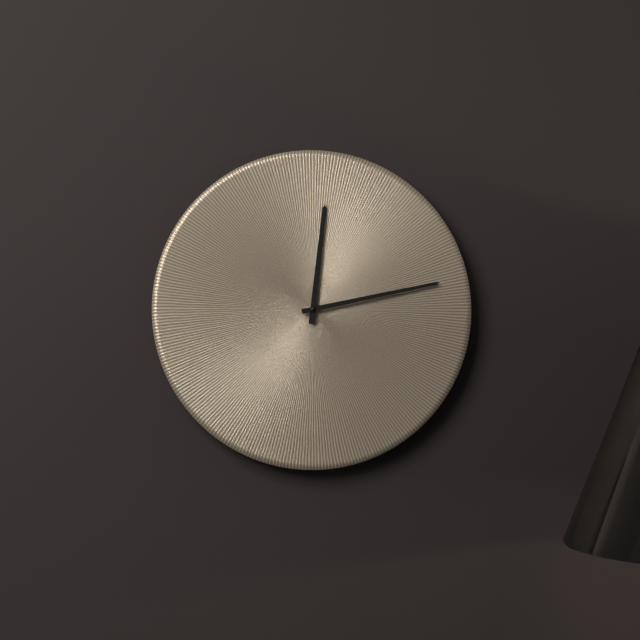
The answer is 12:13
